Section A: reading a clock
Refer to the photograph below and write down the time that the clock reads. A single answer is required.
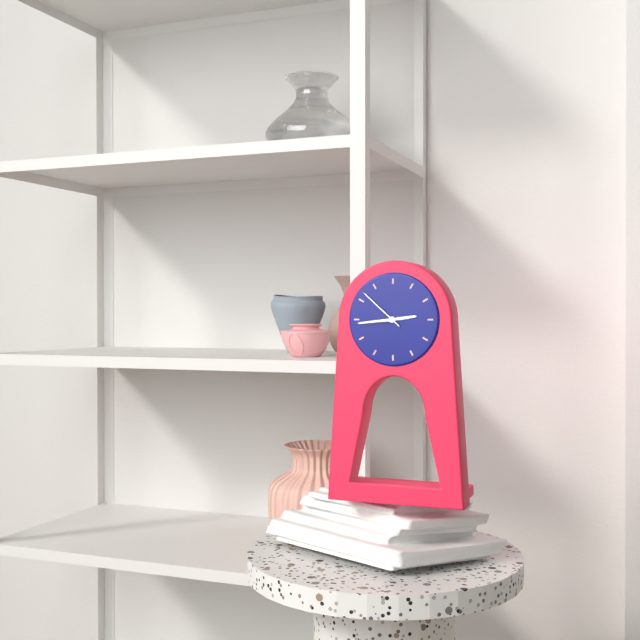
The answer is 2:44:52
